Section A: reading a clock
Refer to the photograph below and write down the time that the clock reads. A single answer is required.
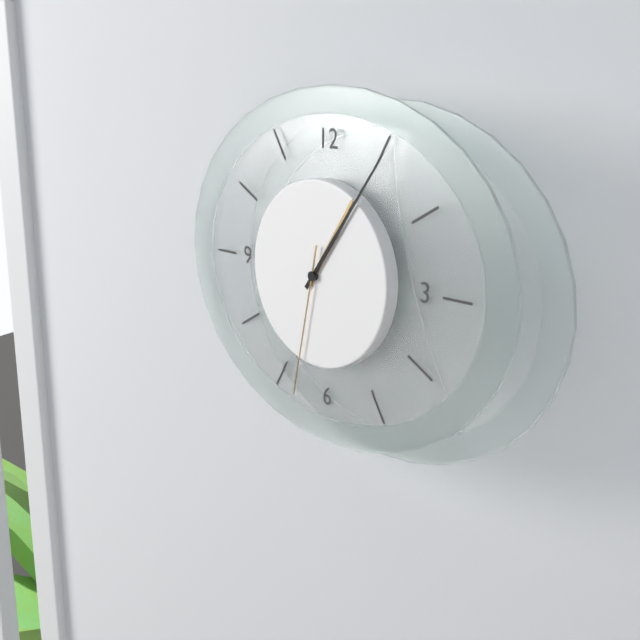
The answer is 1:06:32
